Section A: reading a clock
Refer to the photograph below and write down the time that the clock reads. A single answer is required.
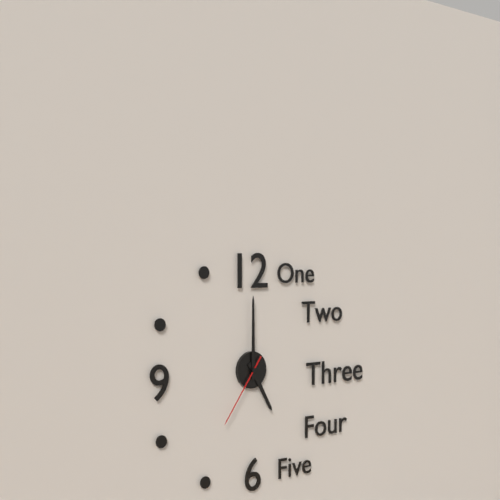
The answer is 5:00:36
